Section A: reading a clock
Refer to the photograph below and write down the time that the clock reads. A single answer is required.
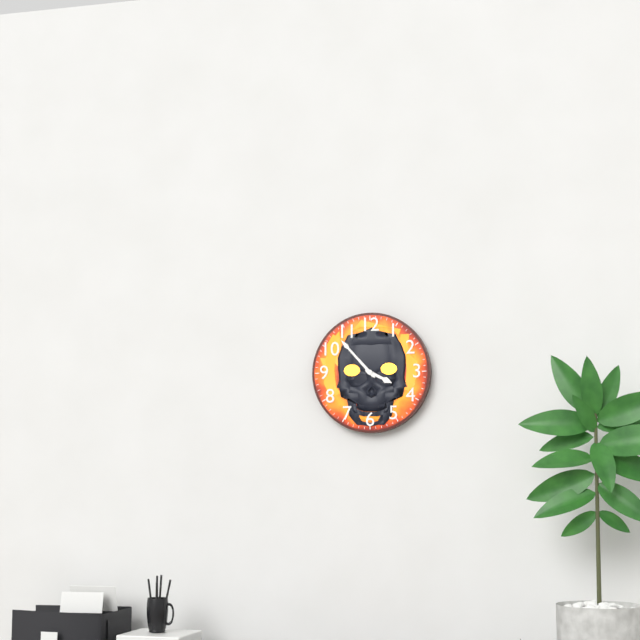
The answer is 3:53
